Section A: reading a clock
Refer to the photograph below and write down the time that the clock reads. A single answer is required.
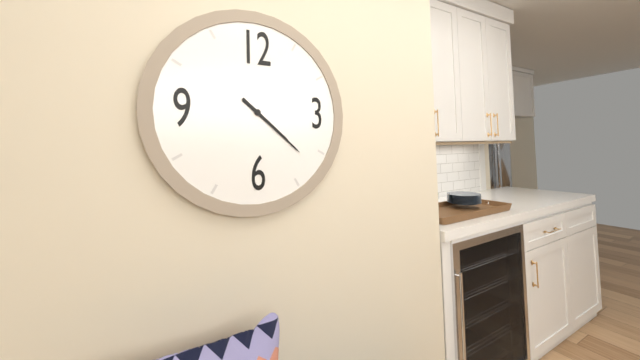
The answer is 4:22
